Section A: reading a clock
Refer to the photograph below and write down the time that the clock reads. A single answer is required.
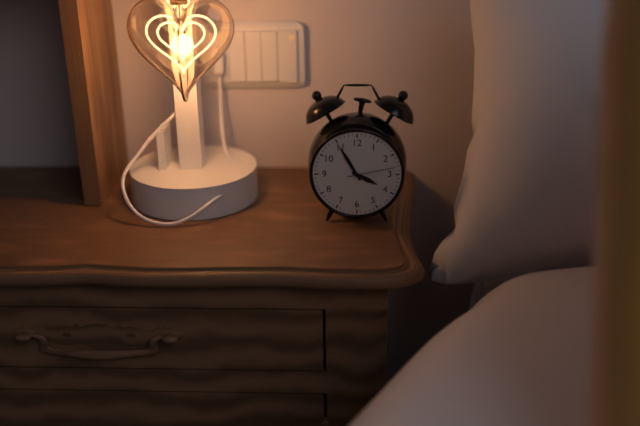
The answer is 3:55
